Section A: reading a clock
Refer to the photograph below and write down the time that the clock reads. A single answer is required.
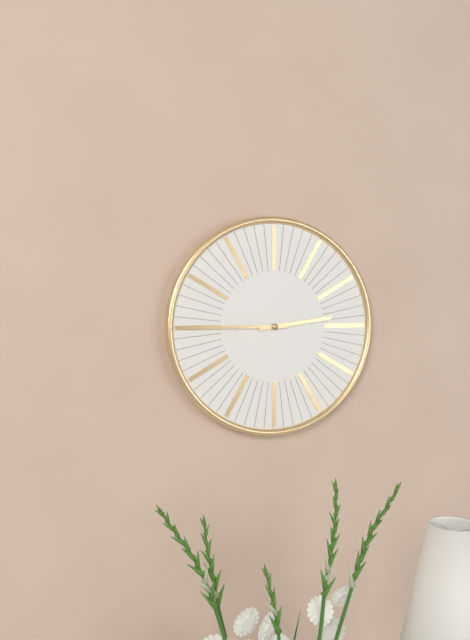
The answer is 2:45
